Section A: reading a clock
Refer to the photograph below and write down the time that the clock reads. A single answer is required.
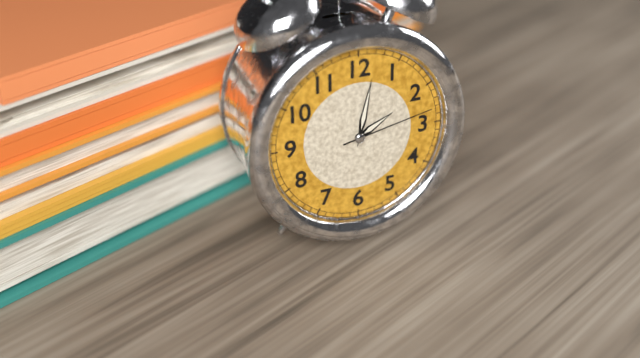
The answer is 2:02:13
